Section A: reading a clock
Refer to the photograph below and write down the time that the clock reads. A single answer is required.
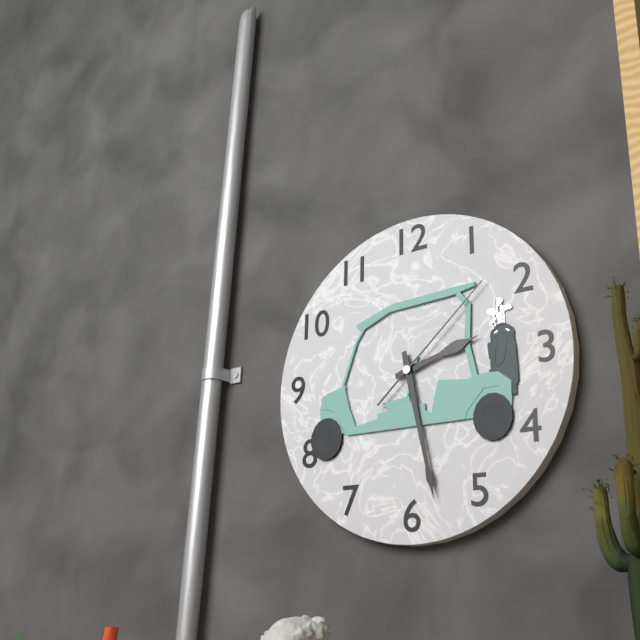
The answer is 2:28:08
